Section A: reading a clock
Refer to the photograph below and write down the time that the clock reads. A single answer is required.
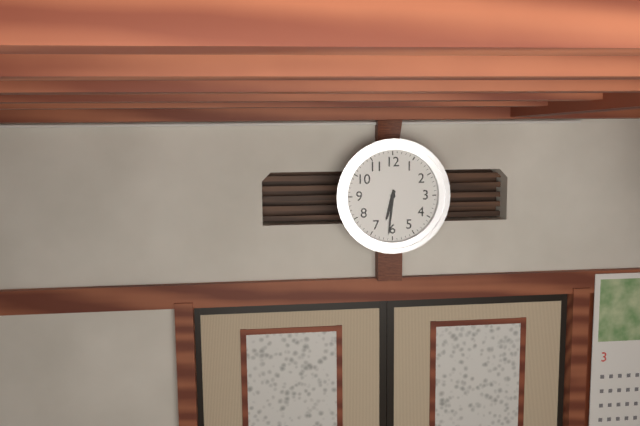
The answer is 6:31
